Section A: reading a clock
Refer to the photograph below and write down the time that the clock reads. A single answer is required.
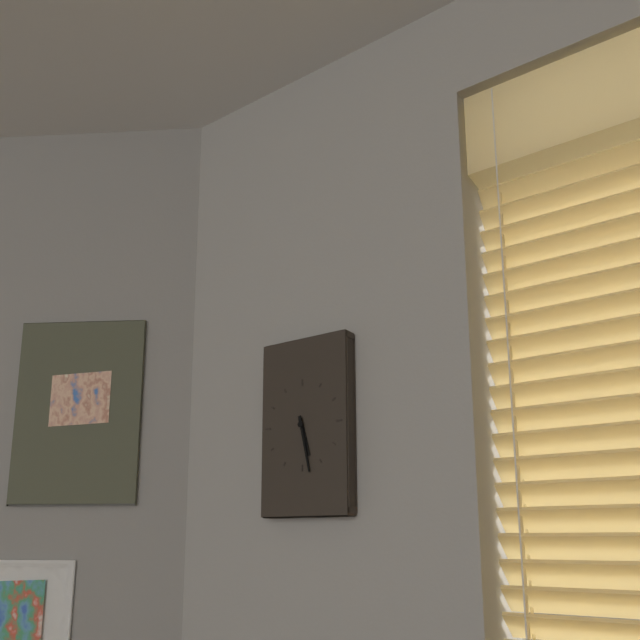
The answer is 5:28
